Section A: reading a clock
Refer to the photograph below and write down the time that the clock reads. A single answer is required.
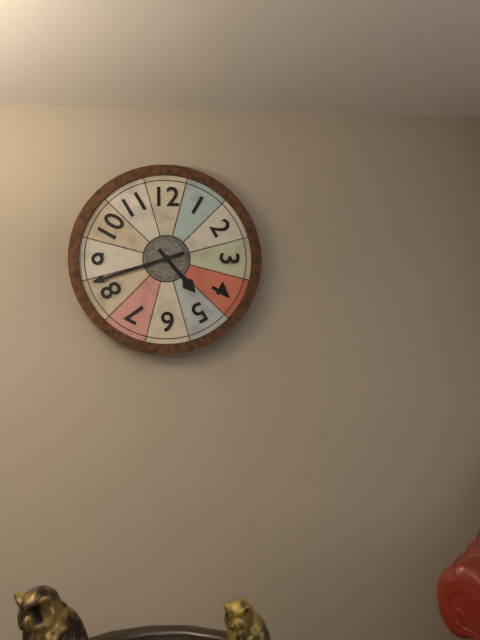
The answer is 4:42
